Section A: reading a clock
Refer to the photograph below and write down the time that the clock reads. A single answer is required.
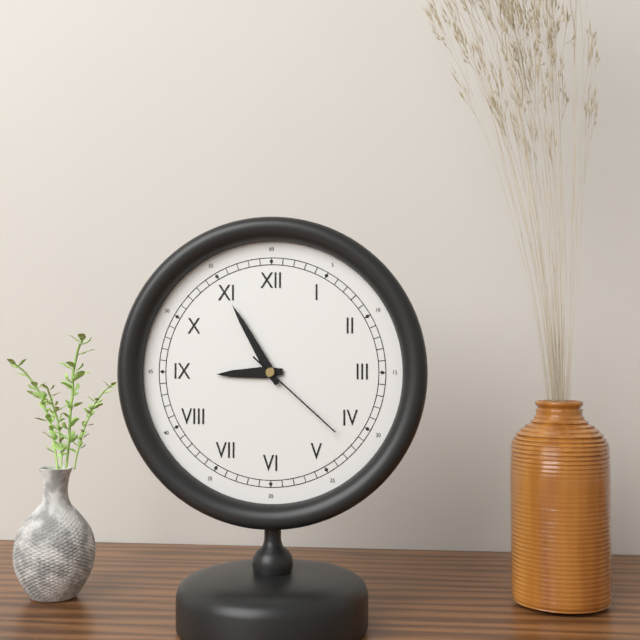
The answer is 8:55:22
